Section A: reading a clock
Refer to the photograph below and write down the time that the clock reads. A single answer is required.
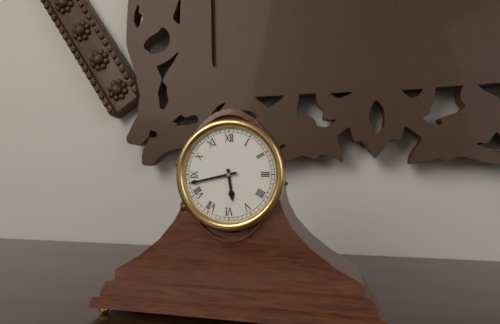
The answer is 5:43
